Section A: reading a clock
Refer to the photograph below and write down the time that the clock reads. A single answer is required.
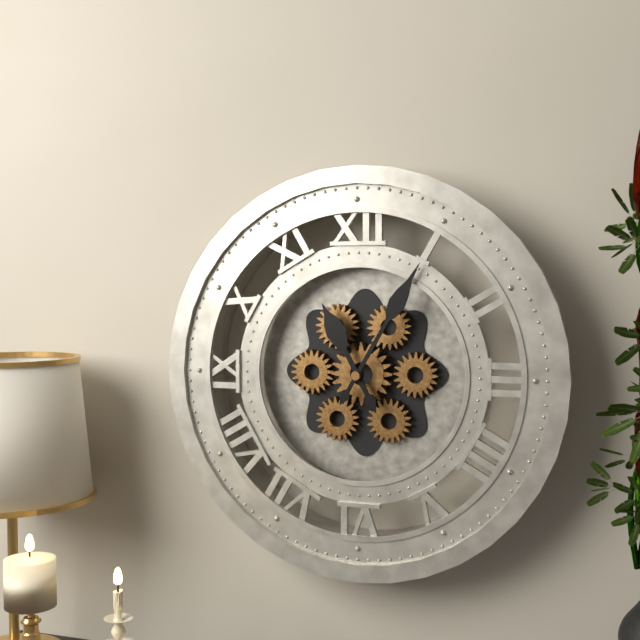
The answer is 11:05
